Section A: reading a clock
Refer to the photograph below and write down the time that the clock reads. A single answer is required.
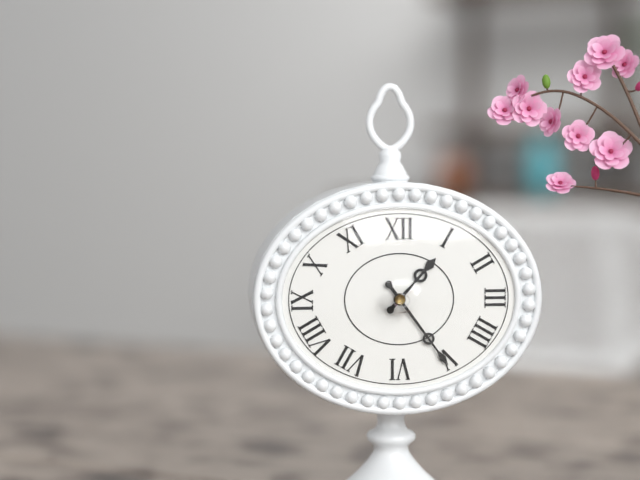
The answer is 1:24
